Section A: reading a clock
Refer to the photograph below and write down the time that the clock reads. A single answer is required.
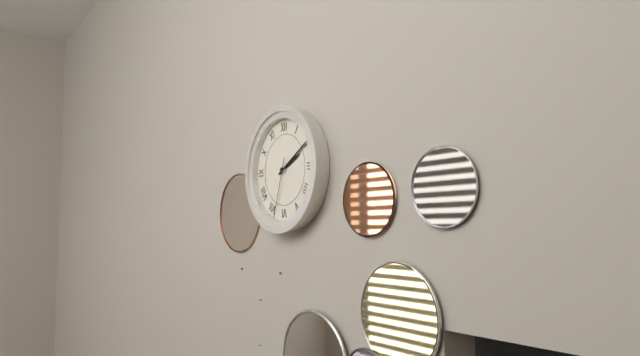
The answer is 2:10:33
